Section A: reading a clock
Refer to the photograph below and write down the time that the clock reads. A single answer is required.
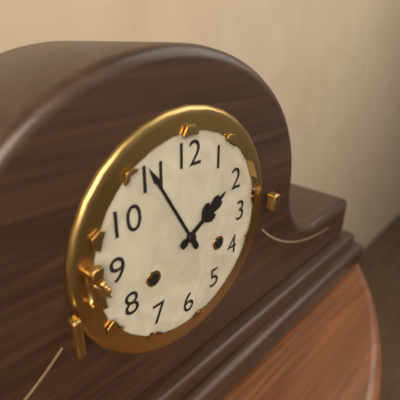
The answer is 1:55
